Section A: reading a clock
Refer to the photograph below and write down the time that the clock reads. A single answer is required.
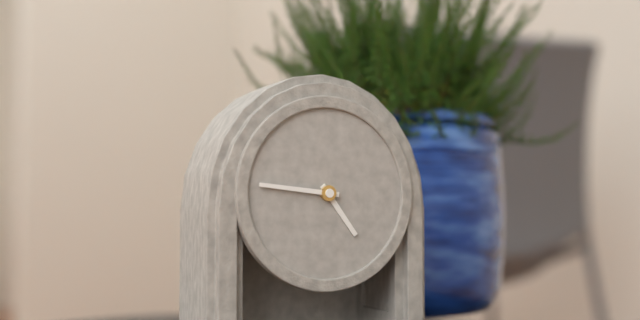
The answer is 4:46
